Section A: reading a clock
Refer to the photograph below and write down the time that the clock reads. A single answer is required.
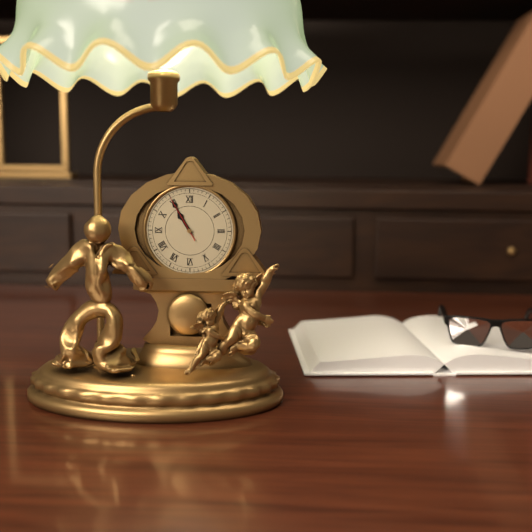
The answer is 10:55
